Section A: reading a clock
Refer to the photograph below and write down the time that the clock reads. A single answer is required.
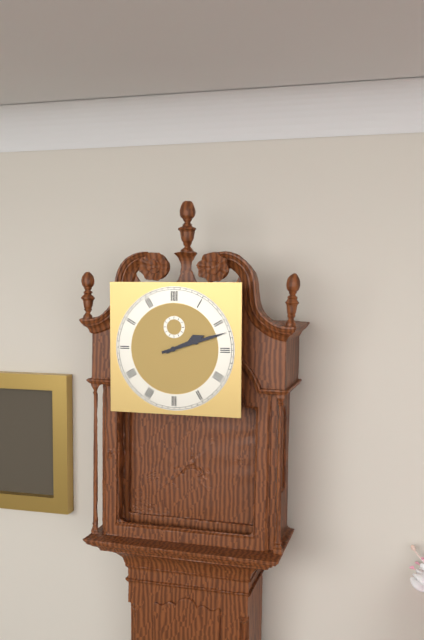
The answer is 2:12
